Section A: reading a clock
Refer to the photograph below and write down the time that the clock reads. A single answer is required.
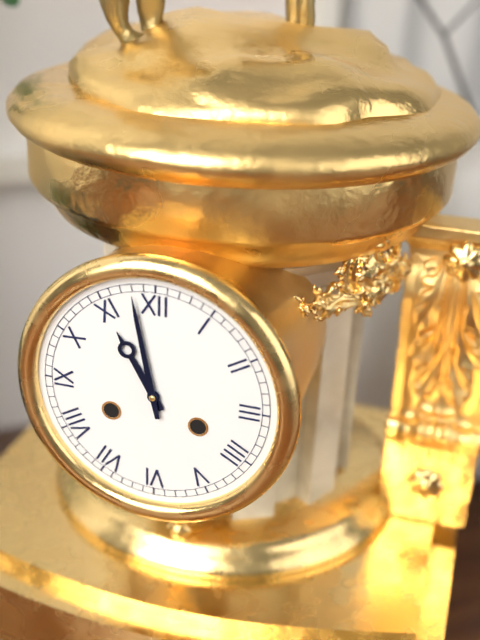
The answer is 10:58
